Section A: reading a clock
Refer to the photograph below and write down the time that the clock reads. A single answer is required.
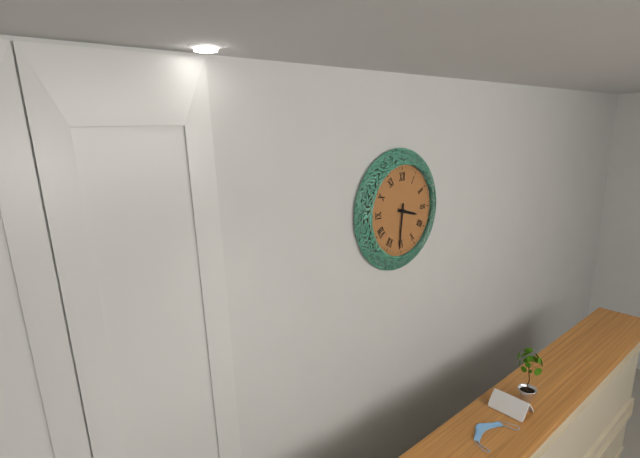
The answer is 3:31
